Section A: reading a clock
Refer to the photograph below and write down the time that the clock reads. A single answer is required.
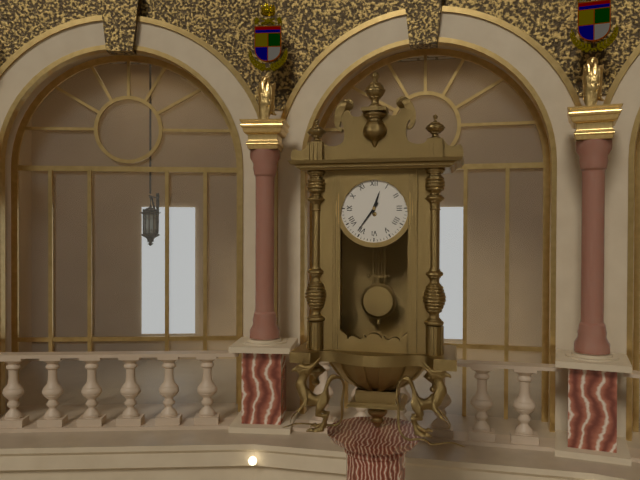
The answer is 12:36
